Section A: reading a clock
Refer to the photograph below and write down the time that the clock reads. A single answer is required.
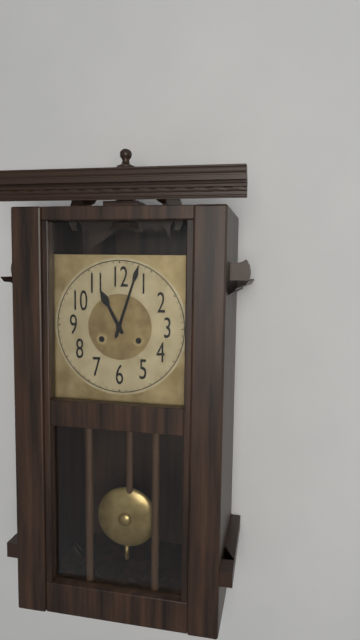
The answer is 11:03
